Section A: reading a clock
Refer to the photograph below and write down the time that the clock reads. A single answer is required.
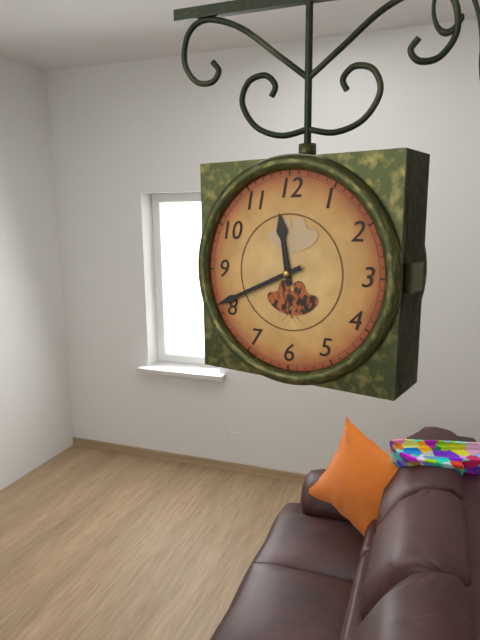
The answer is 11:41
